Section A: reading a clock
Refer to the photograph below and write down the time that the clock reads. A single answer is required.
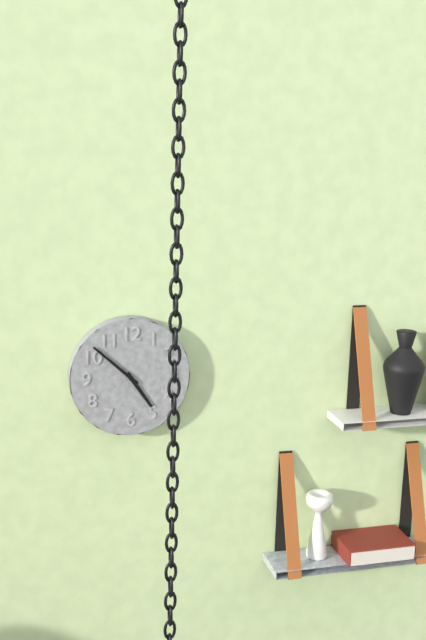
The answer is 4:52
